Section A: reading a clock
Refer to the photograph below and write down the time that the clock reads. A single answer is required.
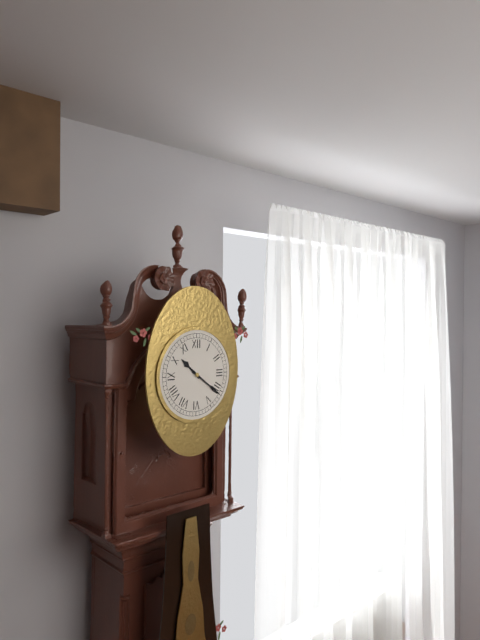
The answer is 10:21
